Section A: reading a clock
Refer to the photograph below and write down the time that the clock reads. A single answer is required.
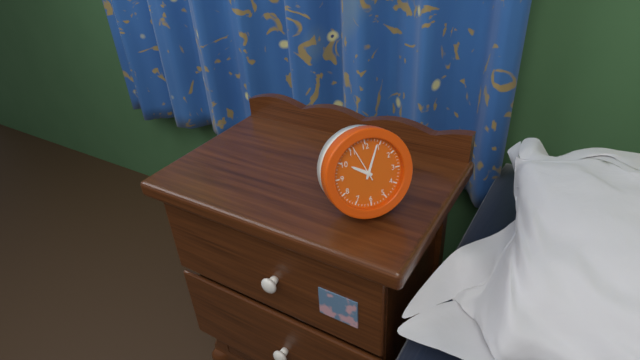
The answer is 10:04
